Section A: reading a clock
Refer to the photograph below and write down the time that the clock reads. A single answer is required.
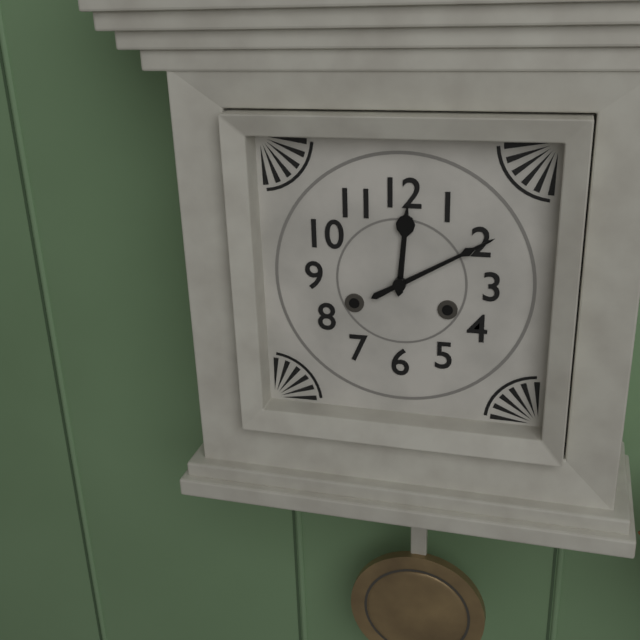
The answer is 12:10
